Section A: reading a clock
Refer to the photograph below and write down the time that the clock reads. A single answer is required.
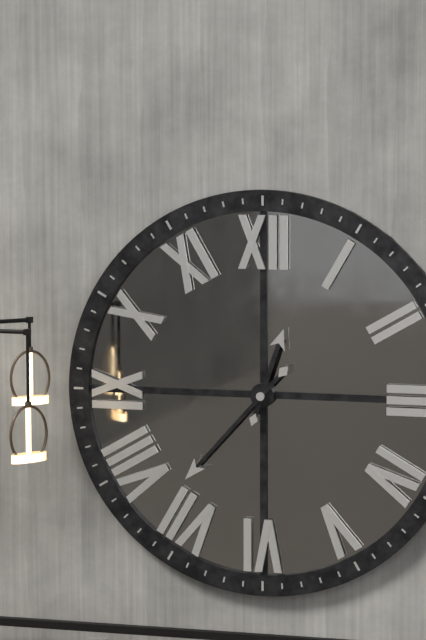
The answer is 12:37
